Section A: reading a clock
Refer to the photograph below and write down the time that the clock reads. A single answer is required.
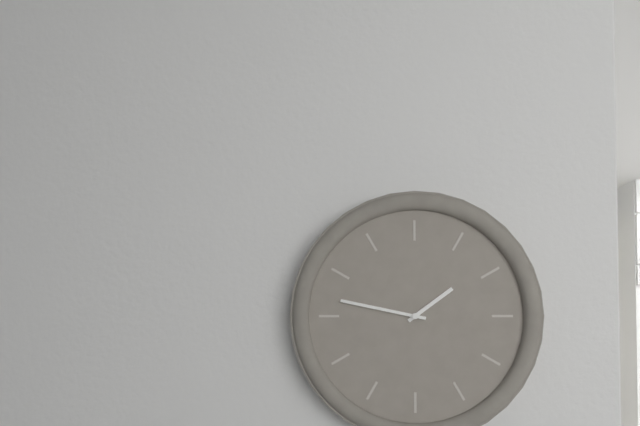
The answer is 1:47
